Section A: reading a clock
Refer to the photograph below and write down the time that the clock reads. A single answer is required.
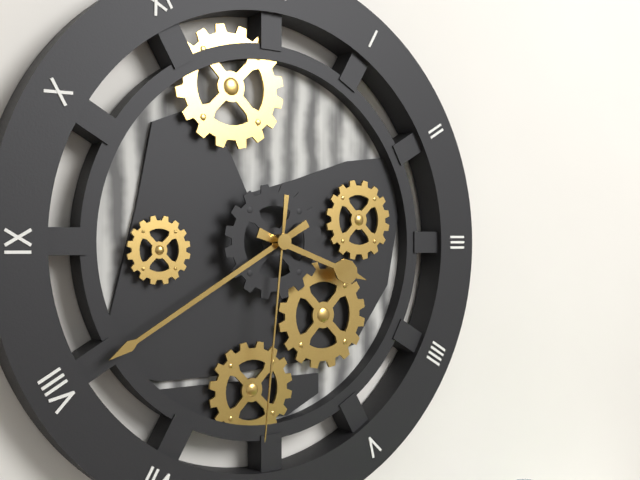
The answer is 3:40:31
